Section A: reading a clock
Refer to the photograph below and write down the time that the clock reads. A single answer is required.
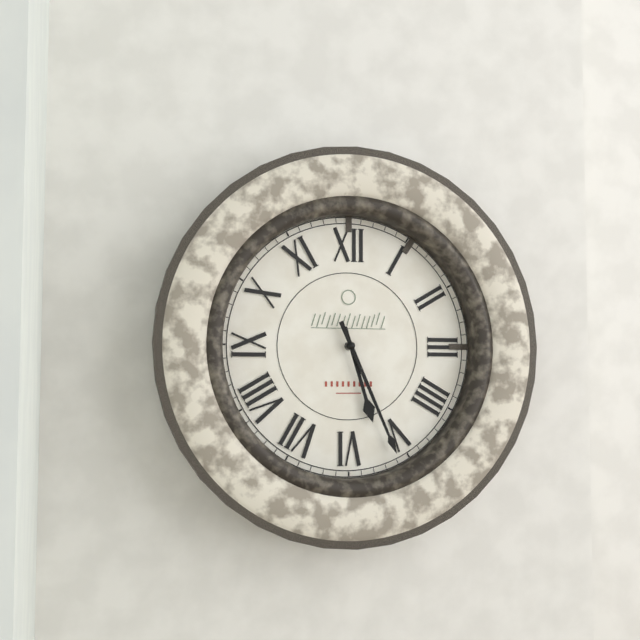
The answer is 5:26
